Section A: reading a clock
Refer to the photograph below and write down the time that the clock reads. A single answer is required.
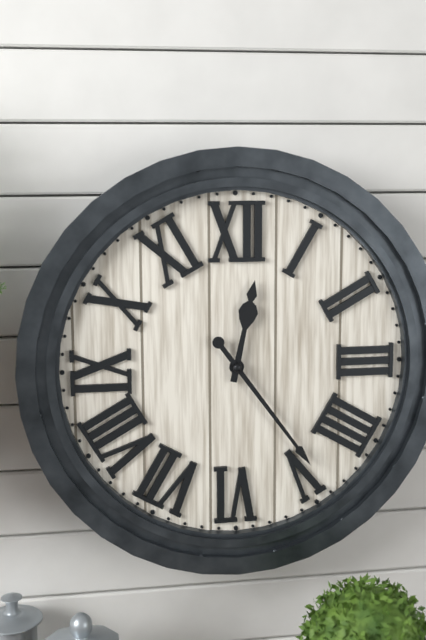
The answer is 12:24
